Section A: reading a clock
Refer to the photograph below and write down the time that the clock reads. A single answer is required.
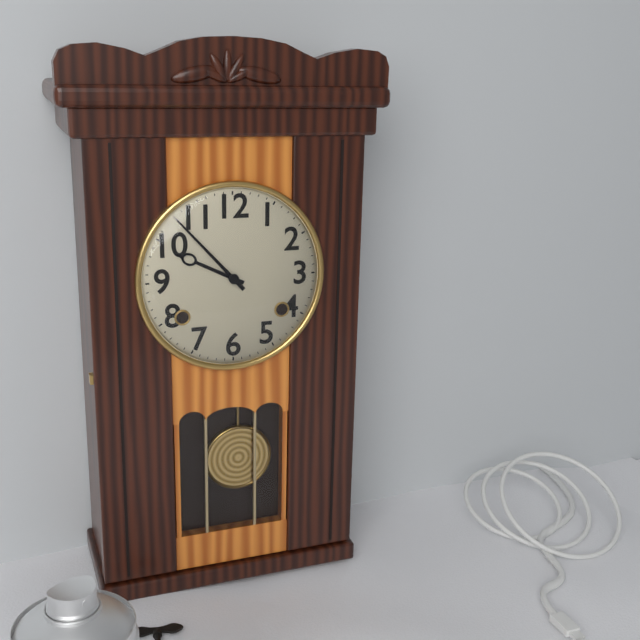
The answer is 9:53
